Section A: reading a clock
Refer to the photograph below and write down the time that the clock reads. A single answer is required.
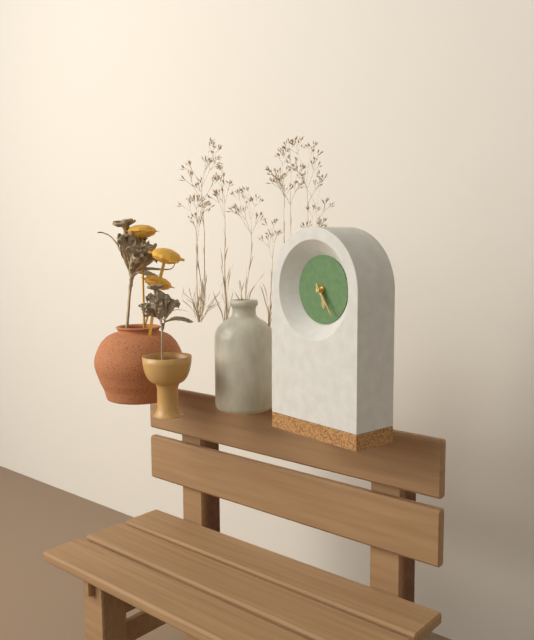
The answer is 5:24
